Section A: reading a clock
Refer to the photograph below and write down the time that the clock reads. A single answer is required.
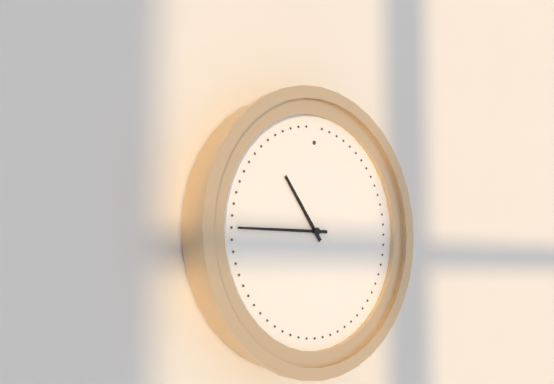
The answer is 10:45
